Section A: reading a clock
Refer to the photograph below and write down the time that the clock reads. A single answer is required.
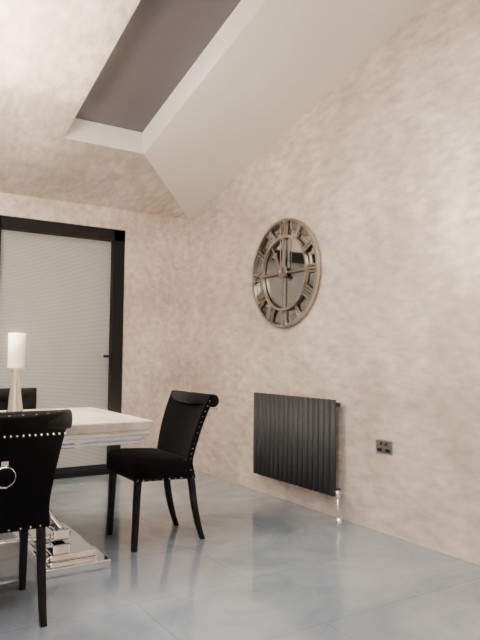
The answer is 11:00
